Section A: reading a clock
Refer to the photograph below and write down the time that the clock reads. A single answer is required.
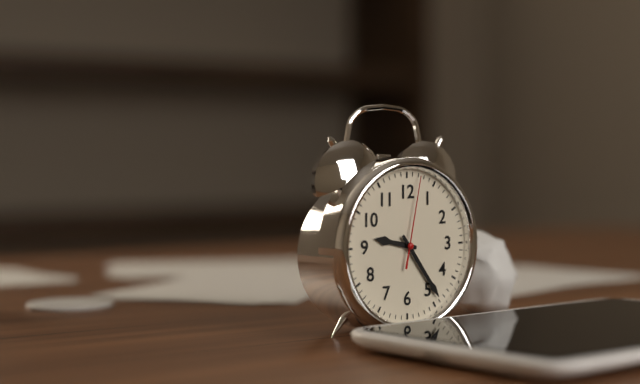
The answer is 9:24:02
